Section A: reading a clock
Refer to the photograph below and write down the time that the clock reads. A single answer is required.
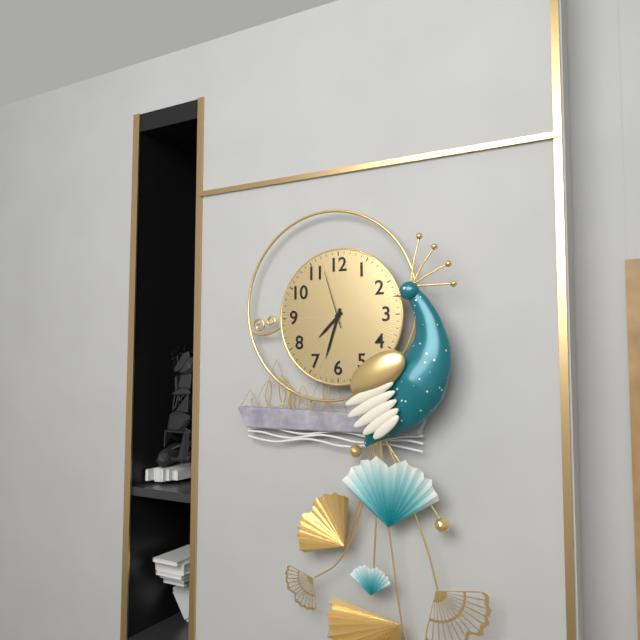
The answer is 7:33:57
